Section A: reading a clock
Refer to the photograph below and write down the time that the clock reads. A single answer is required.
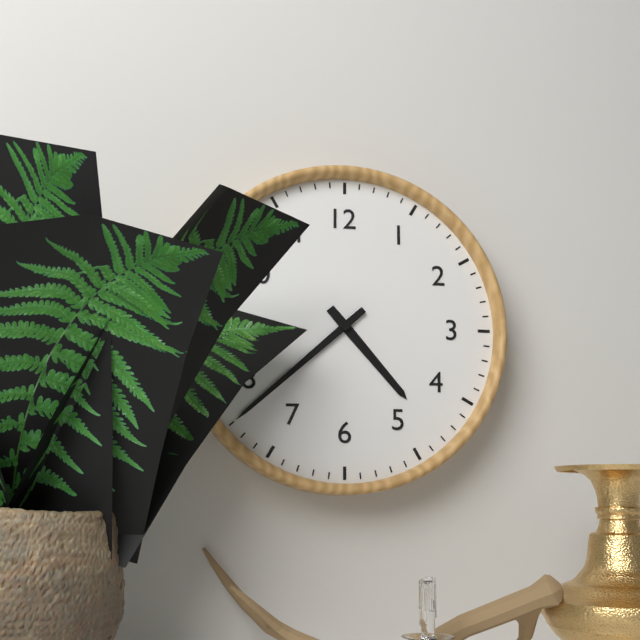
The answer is 4:38
